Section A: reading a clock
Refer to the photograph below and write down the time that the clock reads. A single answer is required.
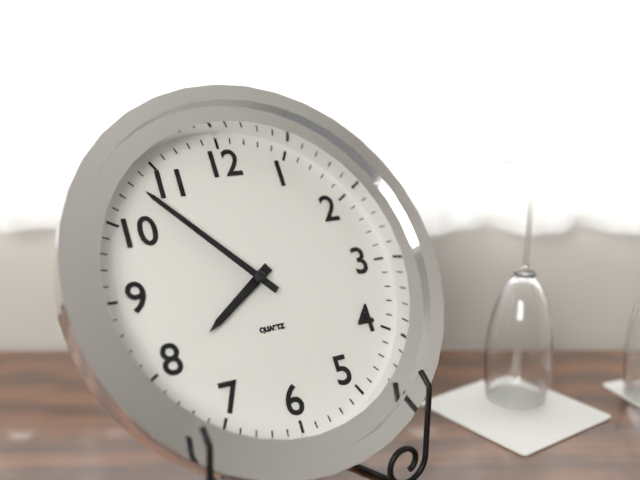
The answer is 7:53
